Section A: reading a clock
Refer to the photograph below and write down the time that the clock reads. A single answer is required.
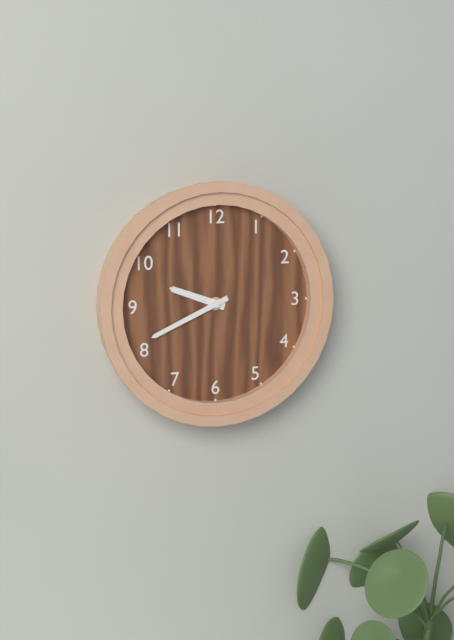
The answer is 9:41
